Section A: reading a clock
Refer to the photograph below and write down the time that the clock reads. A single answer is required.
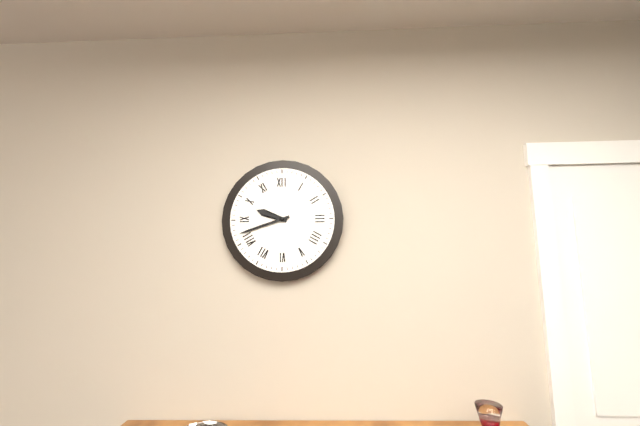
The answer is 9:42
